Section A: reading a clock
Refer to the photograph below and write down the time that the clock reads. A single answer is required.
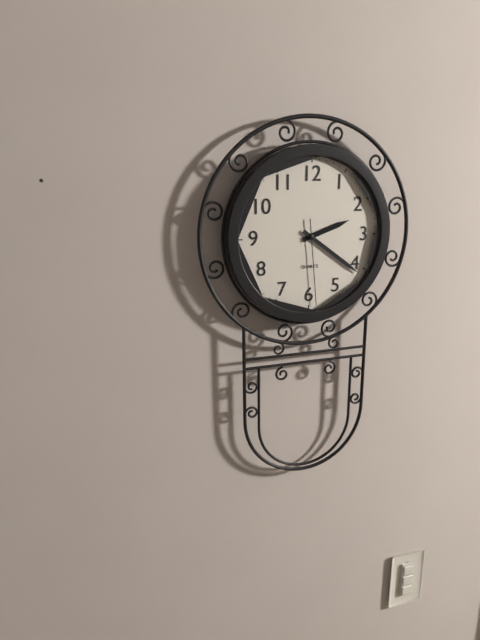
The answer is 2:21:29
